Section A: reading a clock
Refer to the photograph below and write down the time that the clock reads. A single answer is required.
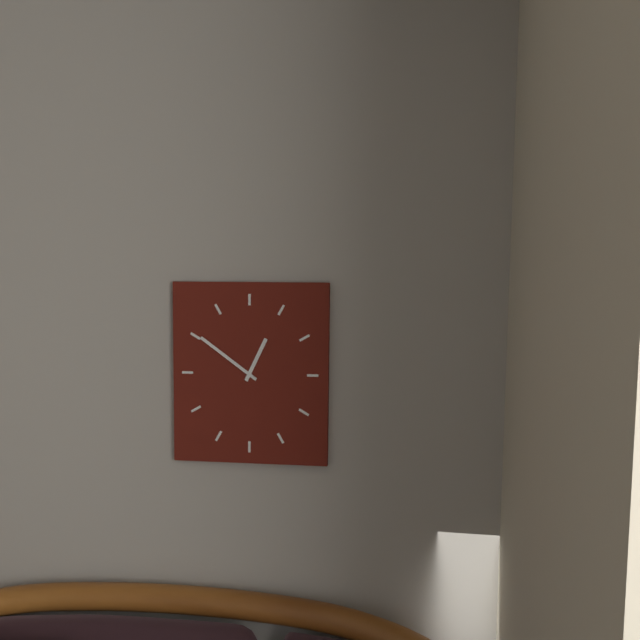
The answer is 12:51
